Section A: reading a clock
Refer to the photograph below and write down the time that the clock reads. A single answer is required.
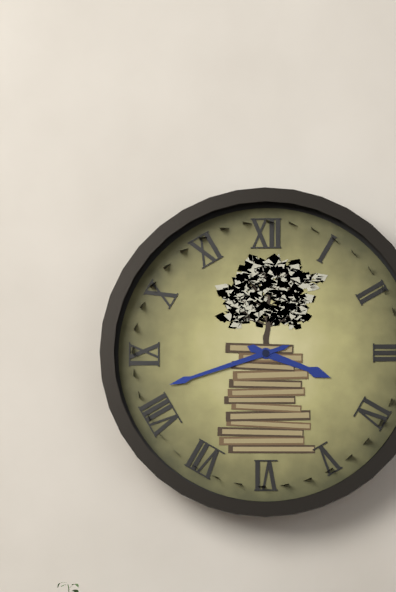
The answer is 3:42
